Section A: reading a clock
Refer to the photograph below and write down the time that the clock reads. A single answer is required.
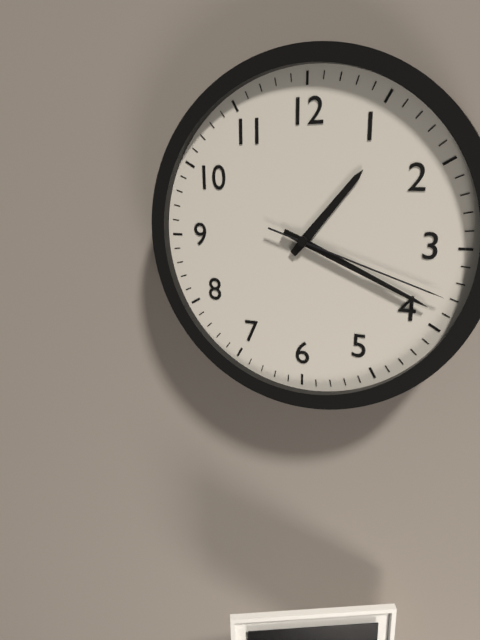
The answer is 1:19:18
